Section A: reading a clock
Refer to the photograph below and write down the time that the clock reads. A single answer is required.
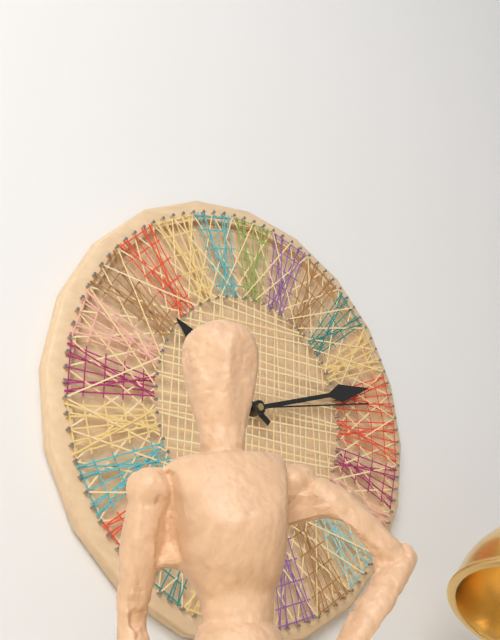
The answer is 10:12:13
